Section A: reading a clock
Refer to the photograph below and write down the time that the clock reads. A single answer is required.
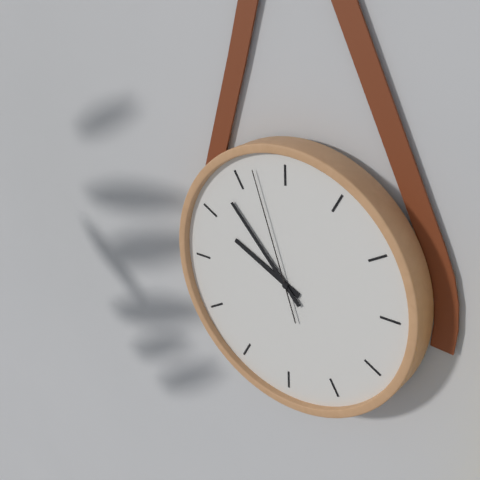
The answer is 9:53:57
